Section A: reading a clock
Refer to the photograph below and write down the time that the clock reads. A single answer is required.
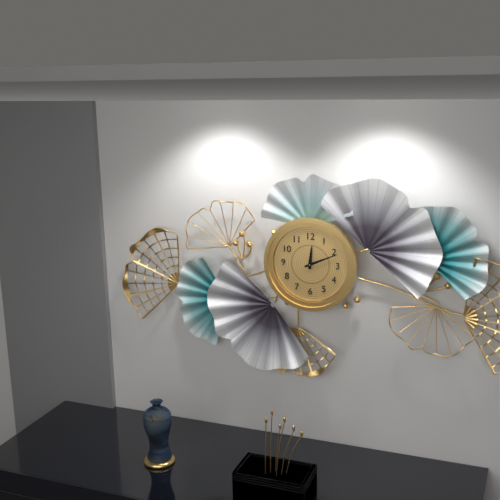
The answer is 12:11
